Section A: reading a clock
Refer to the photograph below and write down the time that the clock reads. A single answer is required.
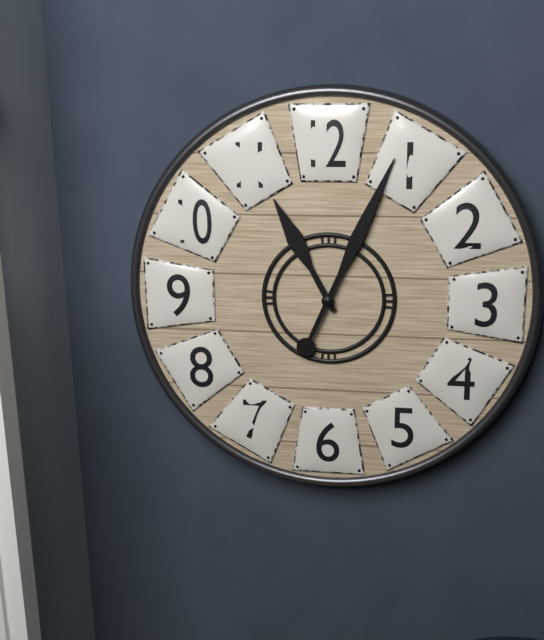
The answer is 11:04
